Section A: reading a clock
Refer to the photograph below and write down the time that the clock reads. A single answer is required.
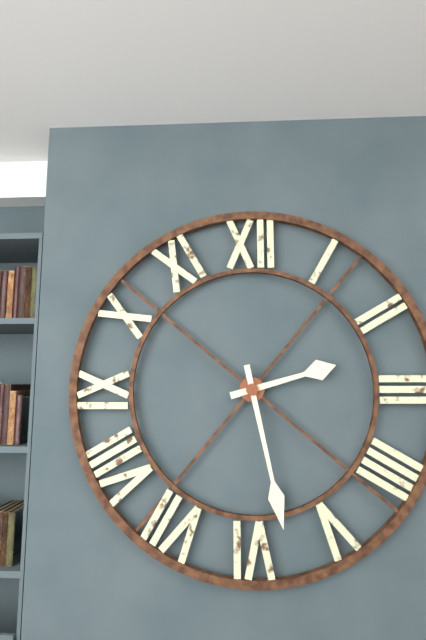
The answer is 2:28
